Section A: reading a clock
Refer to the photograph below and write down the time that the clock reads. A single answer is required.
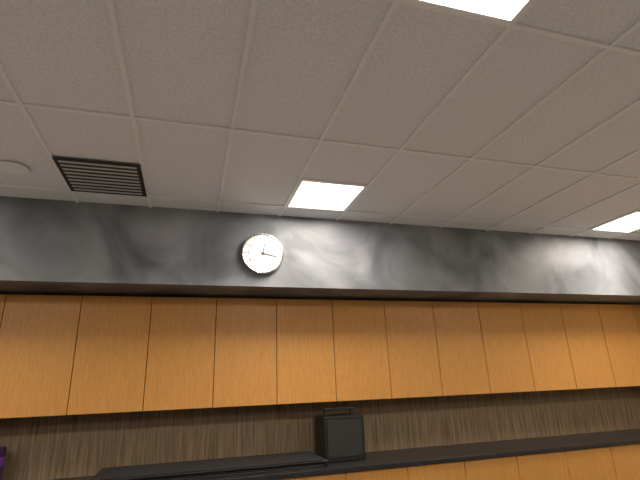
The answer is 12:17
